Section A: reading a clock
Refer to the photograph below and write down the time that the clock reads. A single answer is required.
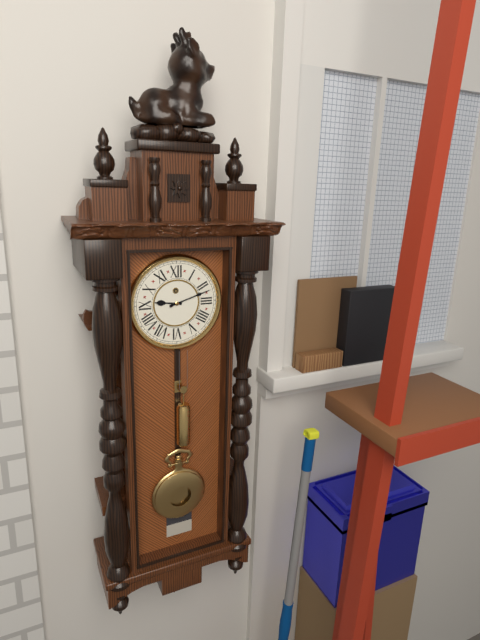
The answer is 9:12
